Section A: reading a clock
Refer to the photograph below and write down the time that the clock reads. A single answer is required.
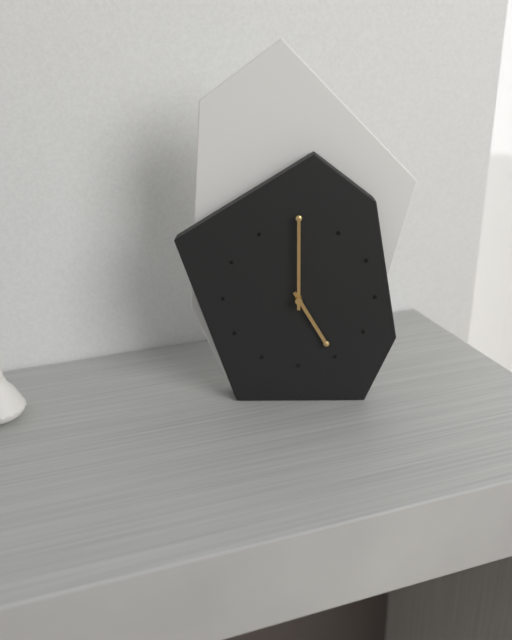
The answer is 5:00
